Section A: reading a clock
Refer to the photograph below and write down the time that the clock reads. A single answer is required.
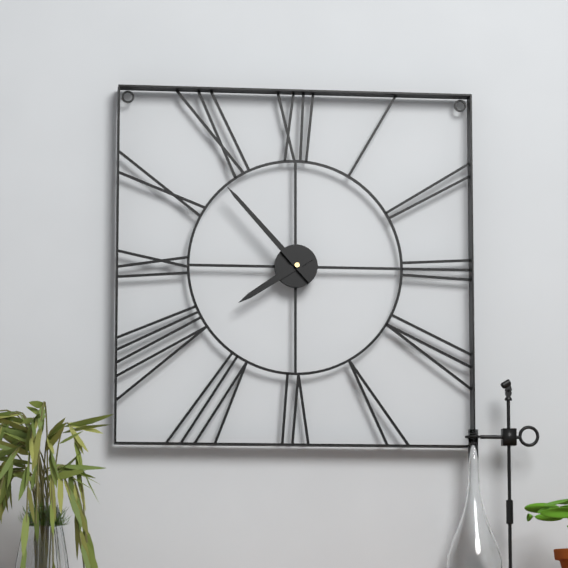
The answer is 7:53
